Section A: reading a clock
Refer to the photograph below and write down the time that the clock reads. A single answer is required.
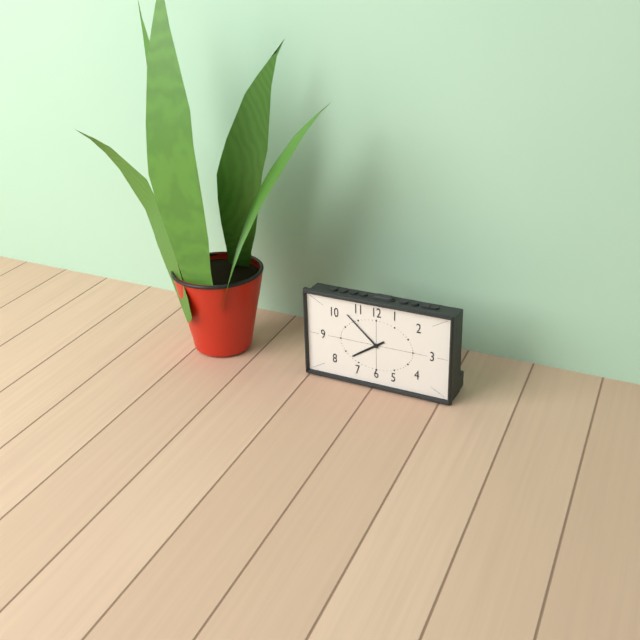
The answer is 7:52
